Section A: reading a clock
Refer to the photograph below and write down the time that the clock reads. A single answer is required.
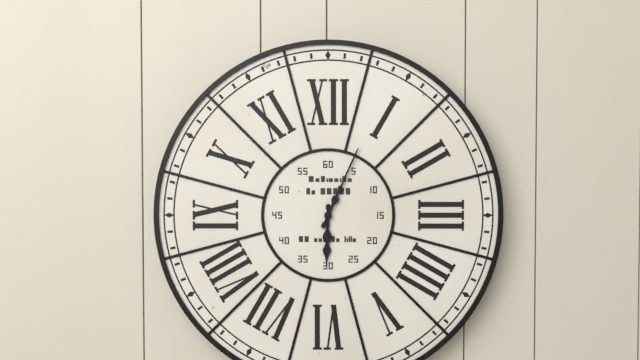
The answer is 6:04
